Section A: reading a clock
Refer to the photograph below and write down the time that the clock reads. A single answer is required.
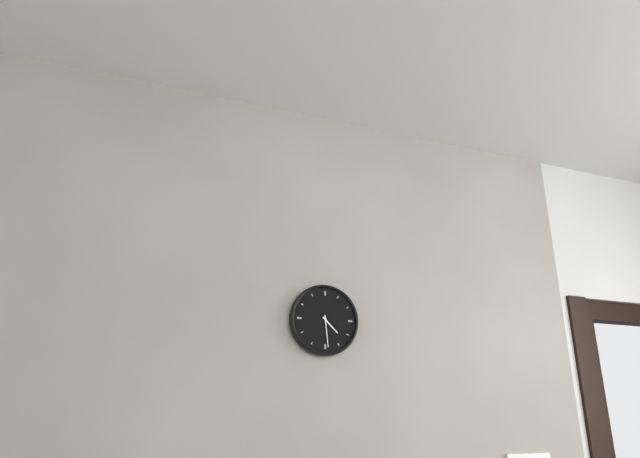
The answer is 4:29
